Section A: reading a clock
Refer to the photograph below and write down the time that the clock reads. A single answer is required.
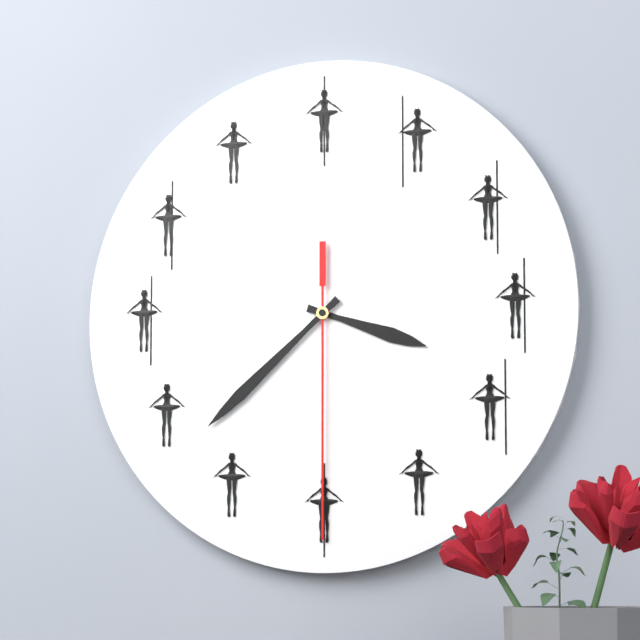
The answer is 3:38:30
